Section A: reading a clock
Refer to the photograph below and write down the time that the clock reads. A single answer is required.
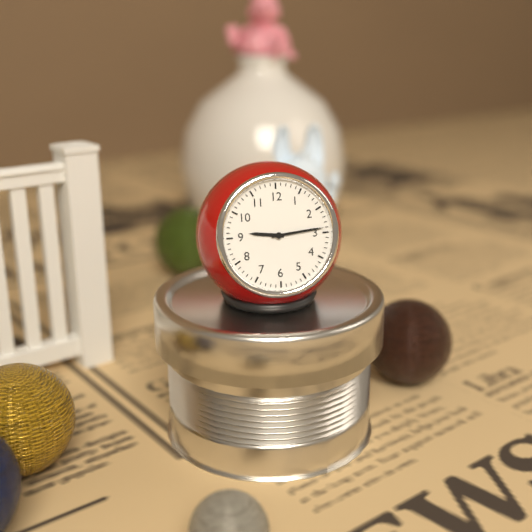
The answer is 9:14
